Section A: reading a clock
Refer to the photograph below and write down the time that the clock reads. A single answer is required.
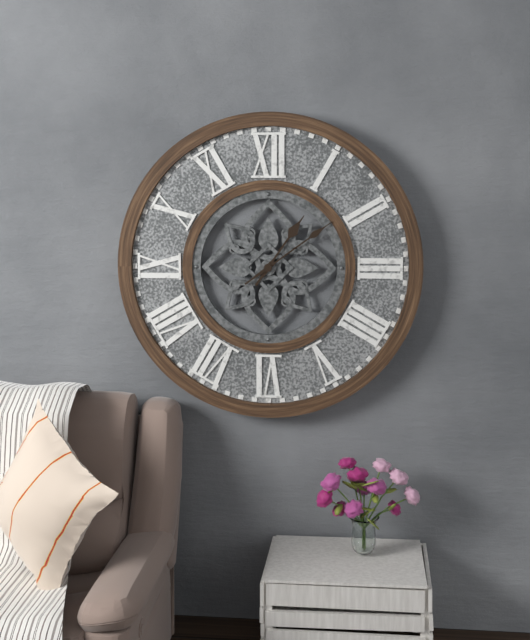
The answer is 1:09
